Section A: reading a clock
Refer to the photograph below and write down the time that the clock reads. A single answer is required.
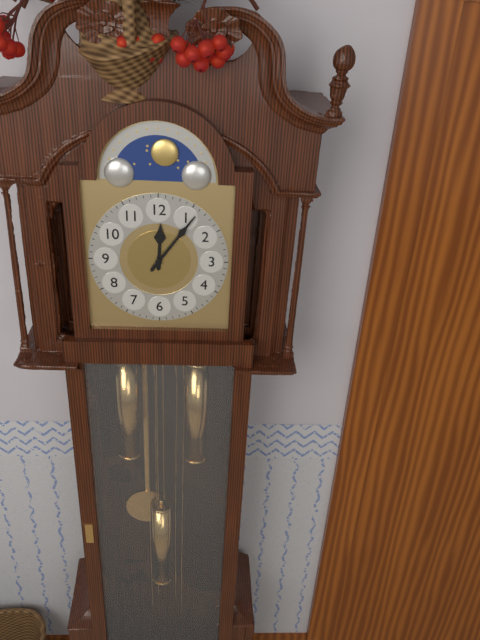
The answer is 12:06
